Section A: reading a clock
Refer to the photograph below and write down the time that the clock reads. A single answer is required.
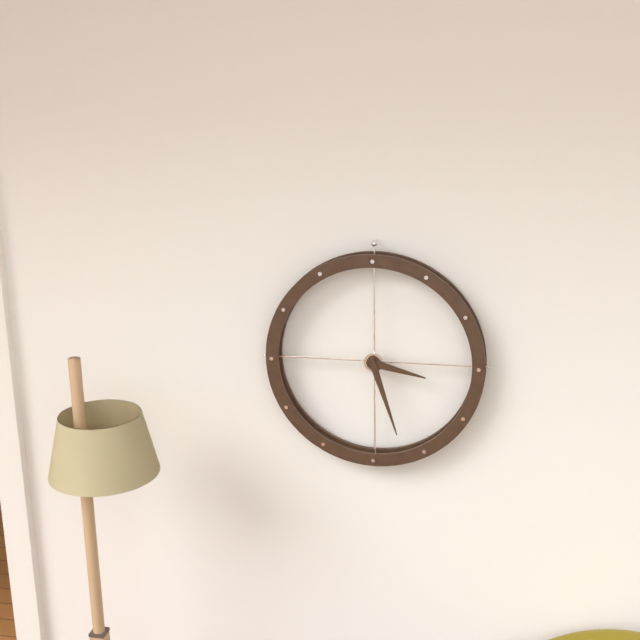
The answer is 3:27
